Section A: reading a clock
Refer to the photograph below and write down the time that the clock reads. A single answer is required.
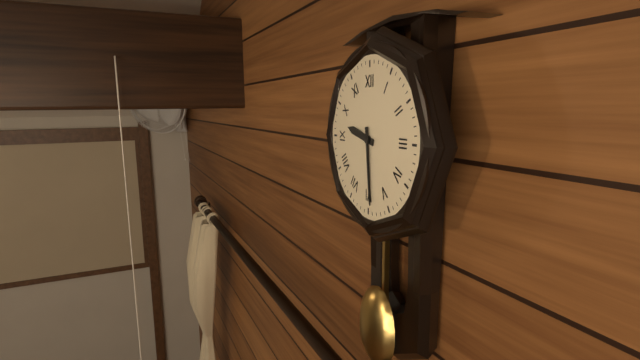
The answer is 9:29
